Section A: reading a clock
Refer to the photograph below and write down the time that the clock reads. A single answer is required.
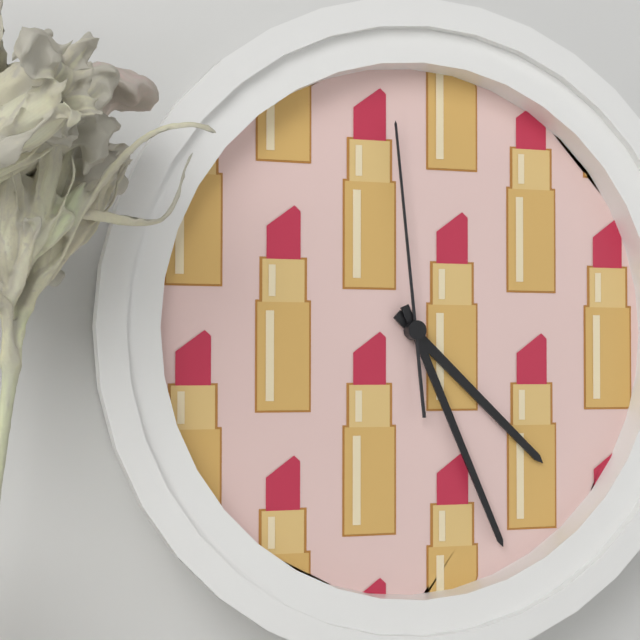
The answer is 4:26:59
